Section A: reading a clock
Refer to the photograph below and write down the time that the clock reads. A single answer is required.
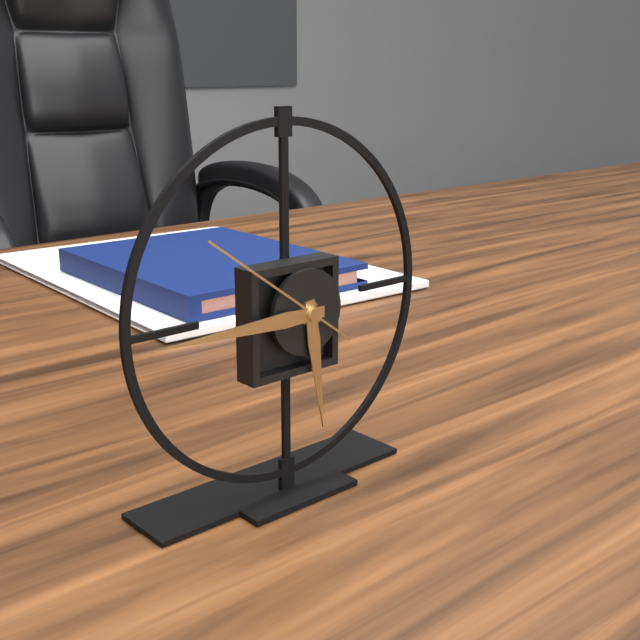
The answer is 5:45:51
